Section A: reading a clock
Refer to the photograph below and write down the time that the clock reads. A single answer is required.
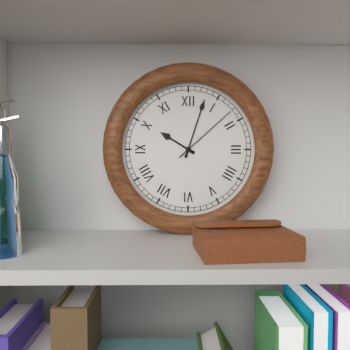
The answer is 10:03:08
